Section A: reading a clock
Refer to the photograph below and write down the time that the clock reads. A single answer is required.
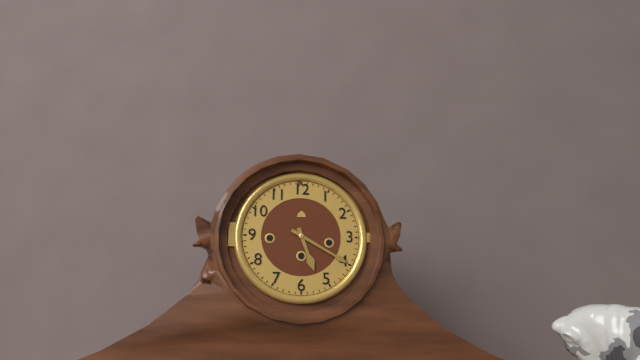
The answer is 5:20
